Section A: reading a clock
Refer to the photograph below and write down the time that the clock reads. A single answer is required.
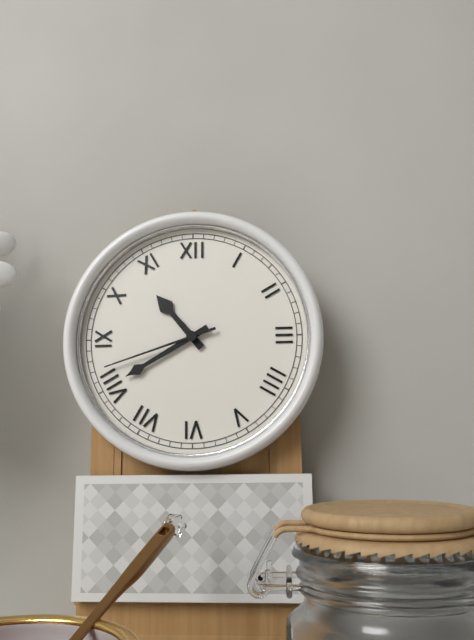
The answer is 10:40:42
